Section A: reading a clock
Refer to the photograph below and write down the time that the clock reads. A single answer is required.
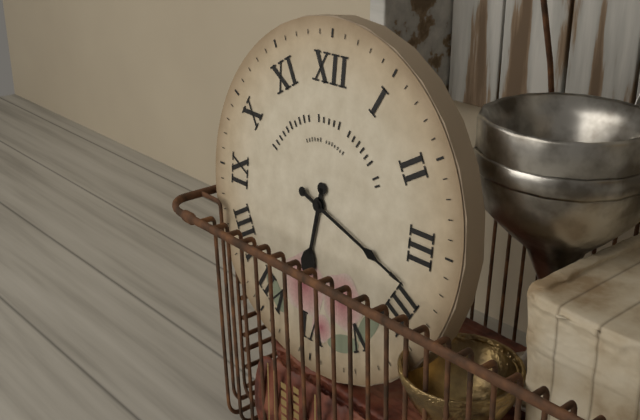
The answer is 6:18
